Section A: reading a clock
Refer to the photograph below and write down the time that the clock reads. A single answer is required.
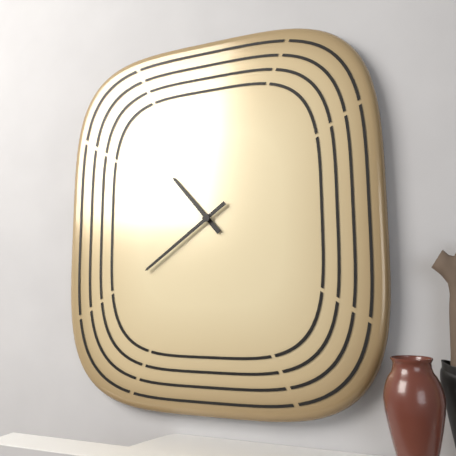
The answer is 10:39
